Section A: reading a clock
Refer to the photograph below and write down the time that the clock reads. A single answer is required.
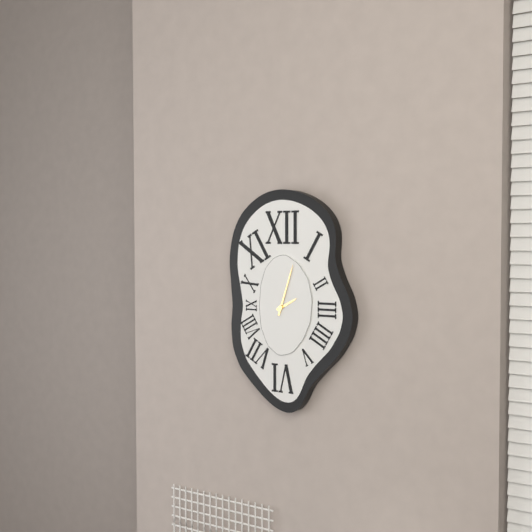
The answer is 2:03
